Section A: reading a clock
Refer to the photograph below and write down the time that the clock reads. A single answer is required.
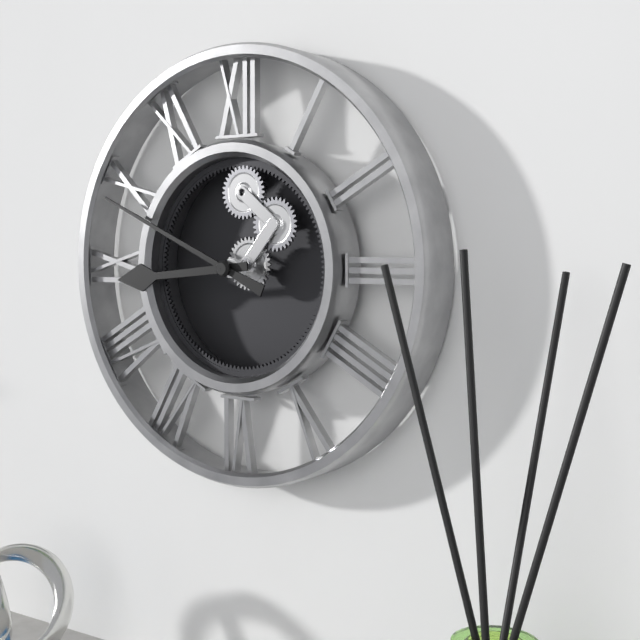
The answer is 8:49
